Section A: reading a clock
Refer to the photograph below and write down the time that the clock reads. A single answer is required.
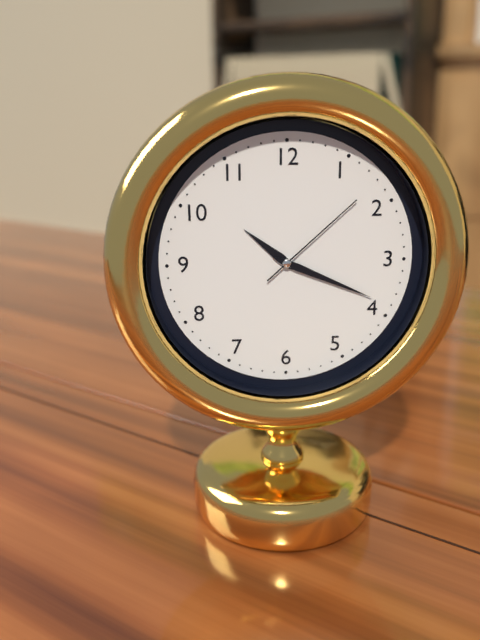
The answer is 10:19:08
